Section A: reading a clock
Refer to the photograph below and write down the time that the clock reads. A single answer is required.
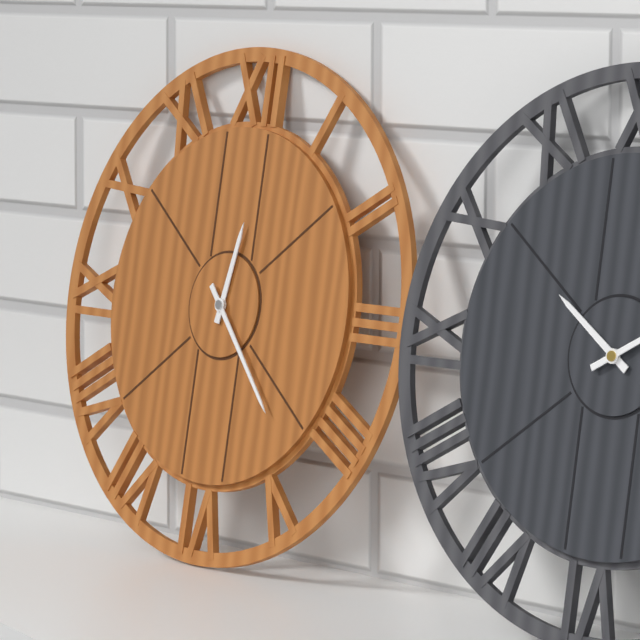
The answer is 12:23
